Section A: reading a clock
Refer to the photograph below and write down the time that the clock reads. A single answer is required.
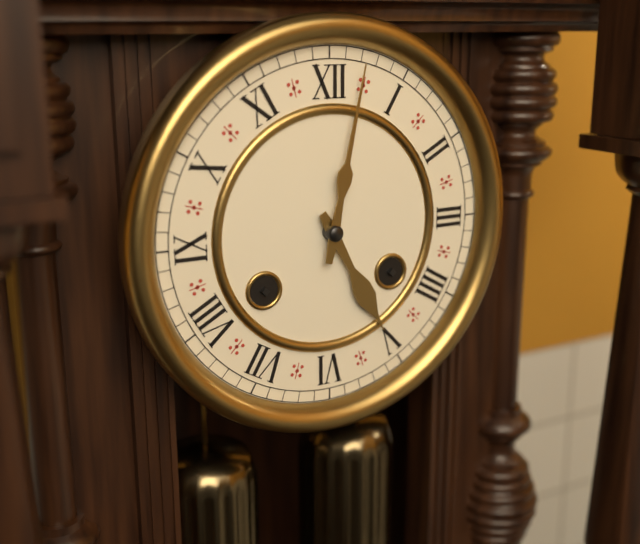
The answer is 5:02
